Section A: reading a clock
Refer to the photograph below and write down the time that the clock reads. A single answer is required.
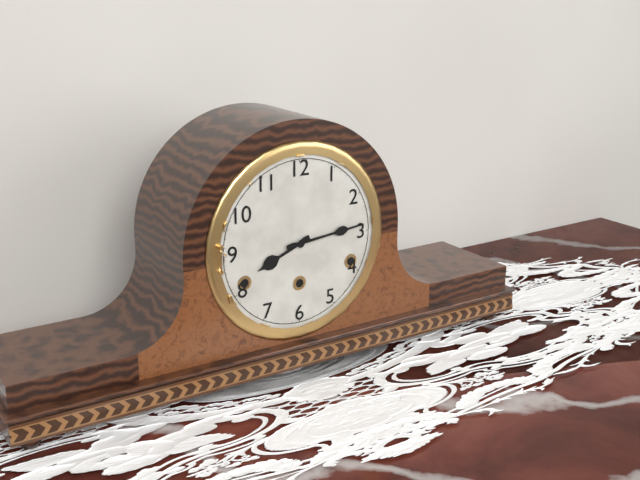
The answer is 8:14
